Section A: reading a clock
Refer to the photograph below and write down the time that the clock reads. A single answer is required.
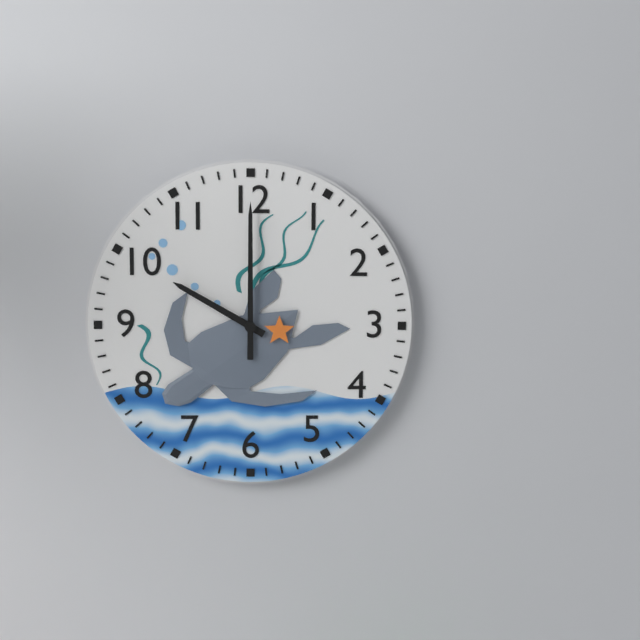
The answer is 10:00
